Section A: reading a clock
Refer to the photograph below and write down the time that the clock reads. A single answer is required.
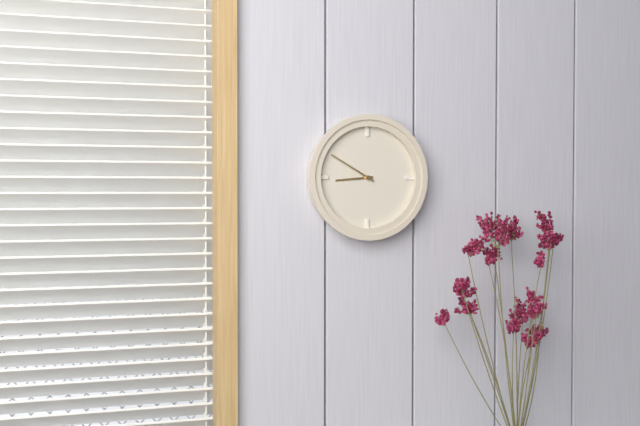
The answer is 8:50
